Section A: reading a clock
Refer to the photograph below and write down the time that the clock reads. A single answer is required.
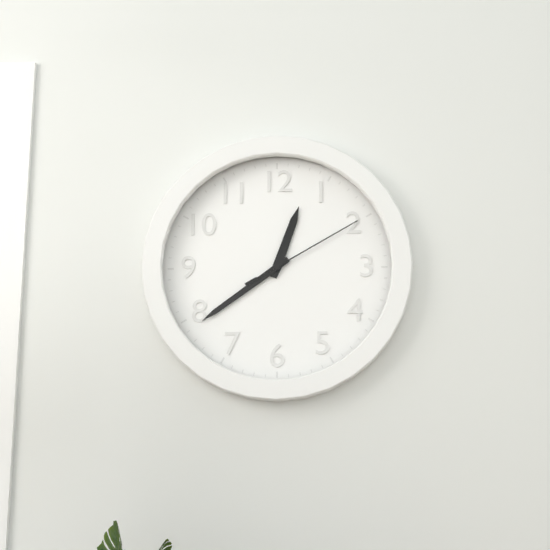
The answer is 12:39:10
